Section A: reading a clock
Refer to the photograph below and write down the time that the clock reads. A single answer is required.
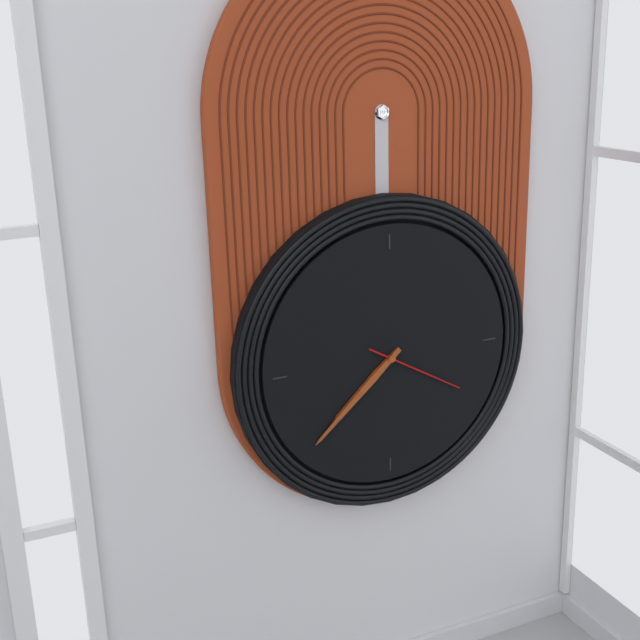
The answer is 7:38:20
